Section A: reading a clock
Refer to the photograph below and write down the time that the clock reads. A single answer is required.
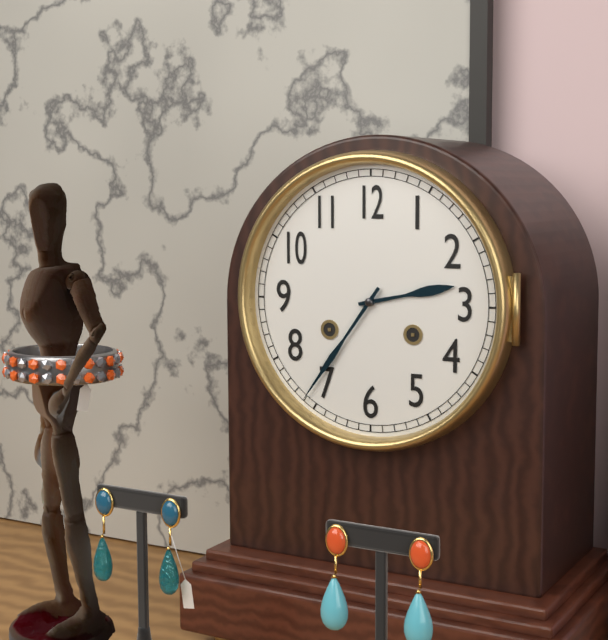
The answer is 2:36
